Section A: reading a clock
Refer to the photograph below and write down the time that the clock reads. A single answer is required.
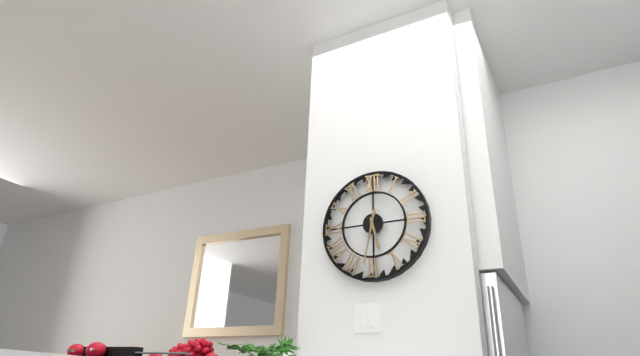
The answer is 5:32
